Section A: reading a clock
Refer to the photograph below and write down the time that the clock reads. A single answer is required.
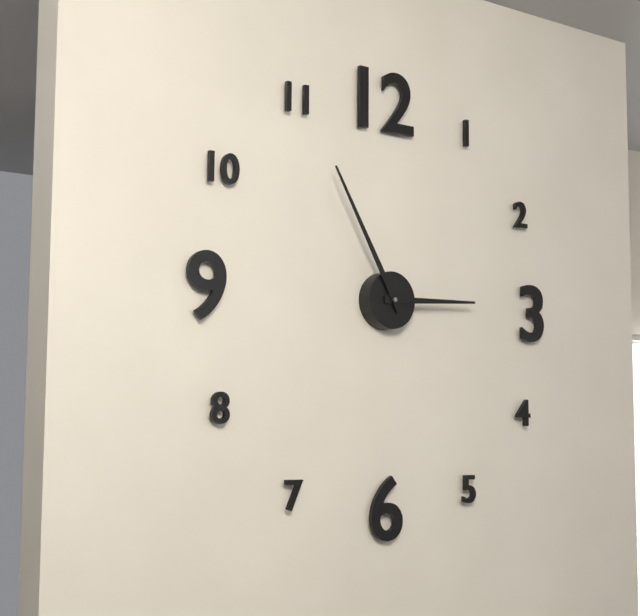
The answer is 2:55
